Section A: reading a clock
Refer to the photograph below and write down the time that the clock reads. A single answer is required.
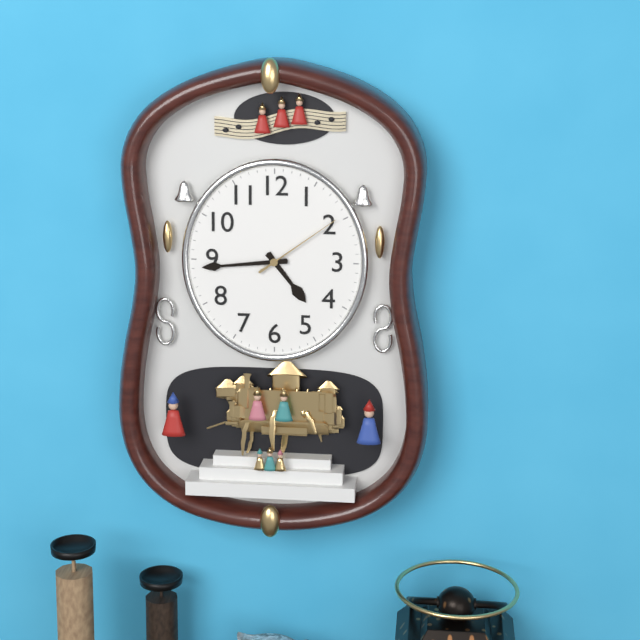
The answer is 4:44:09
